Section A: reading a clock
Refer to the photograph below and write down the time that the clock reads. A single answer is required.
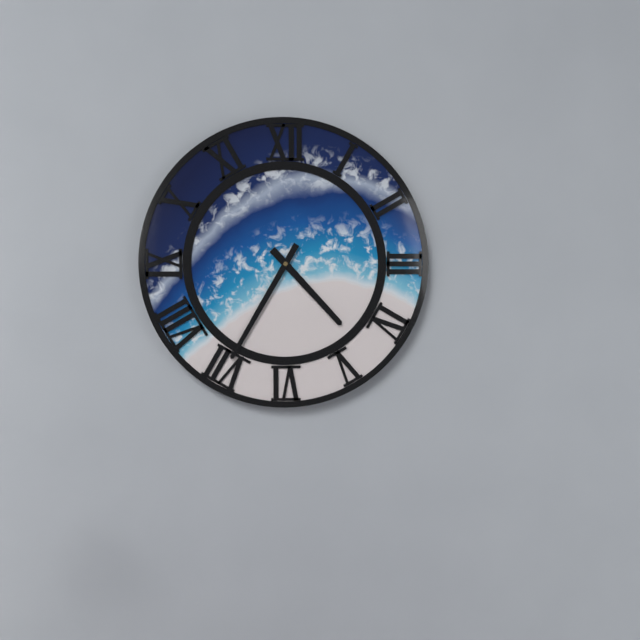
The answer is 4:35
